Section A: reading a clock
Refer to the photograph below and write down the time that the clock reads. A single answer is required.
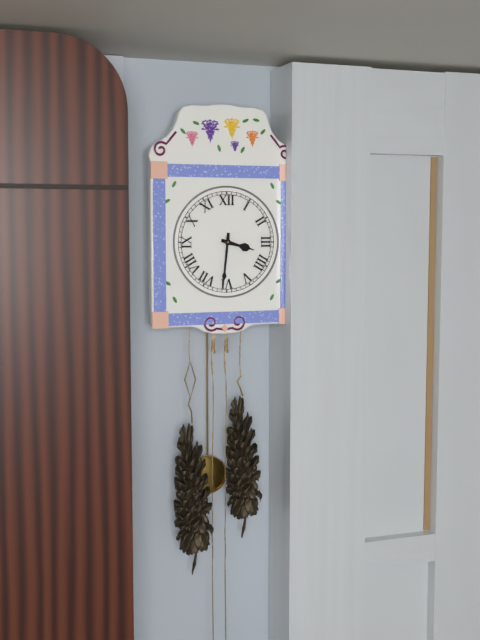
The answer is 3:31
